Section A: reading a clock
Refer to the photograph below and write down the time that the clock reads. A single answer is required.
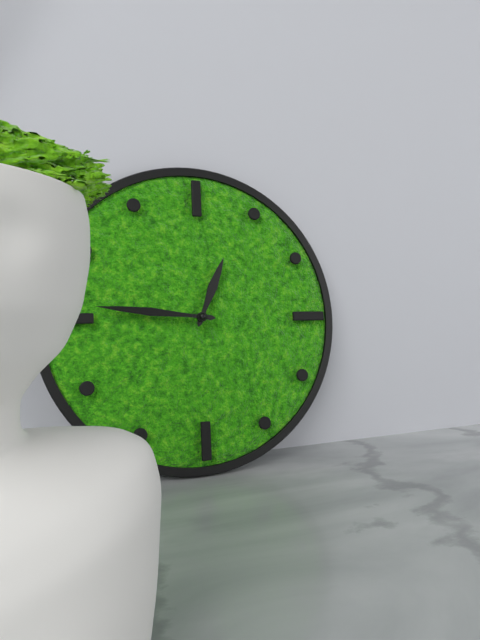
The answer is 12:46
